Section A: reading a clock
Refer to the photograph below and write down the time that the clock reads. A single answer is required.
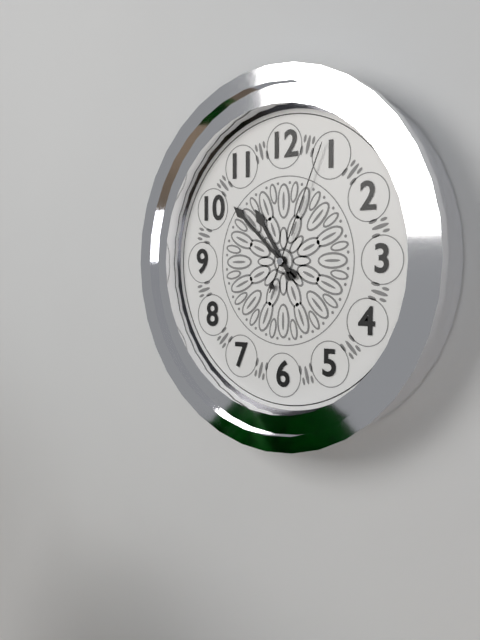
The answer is 10:52:04
